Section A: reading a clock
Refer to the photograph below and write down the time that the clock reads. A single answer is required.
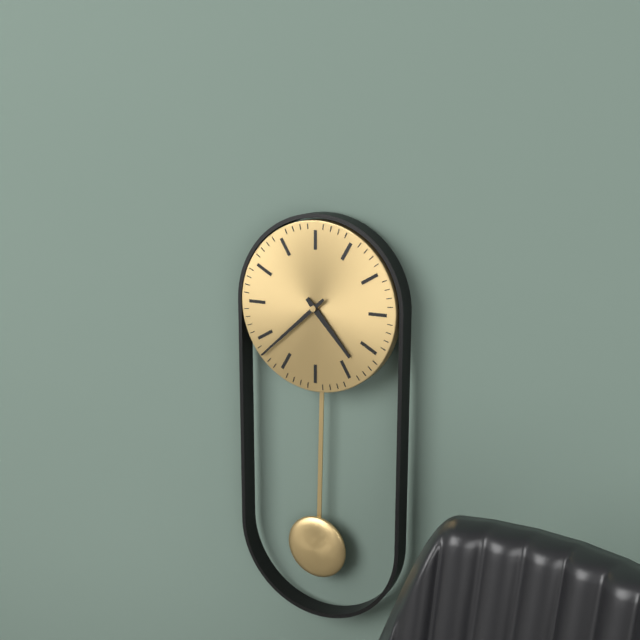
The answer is 4:38
